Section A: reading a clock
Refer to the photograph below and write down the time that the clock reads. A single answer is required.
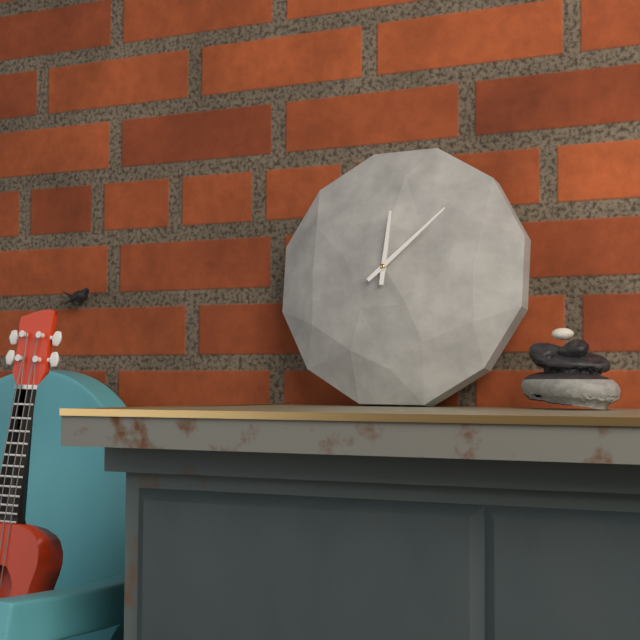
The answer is 12:08
